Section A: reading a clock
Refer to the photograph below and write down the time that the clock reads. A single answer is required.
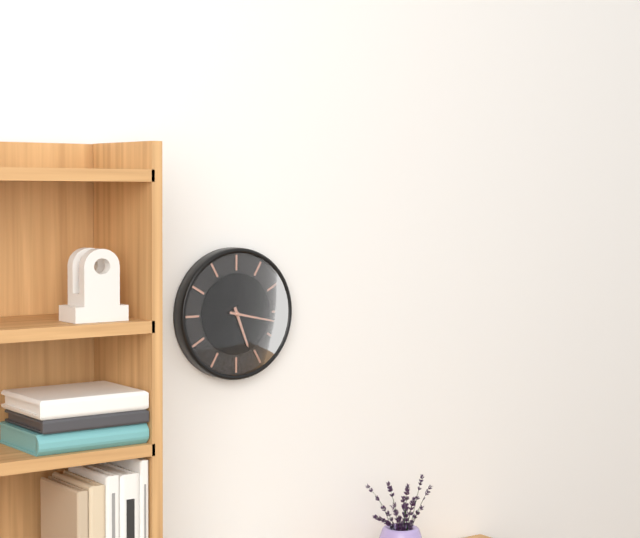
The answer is 5:17
